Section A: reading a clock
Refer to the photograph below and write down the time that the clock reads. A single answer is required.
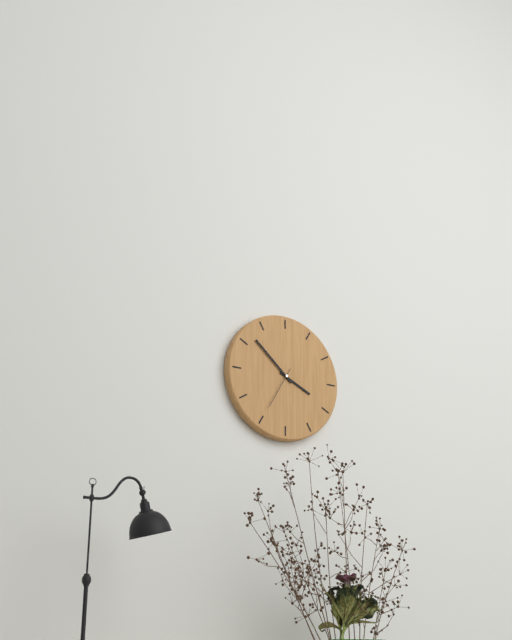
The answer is 3:52
